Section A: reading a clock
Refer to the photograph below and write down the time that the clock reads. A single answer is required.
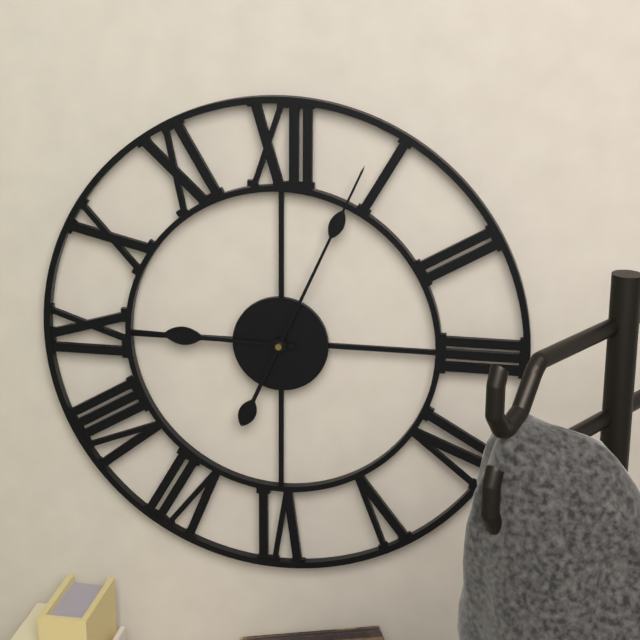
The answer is 9:04
